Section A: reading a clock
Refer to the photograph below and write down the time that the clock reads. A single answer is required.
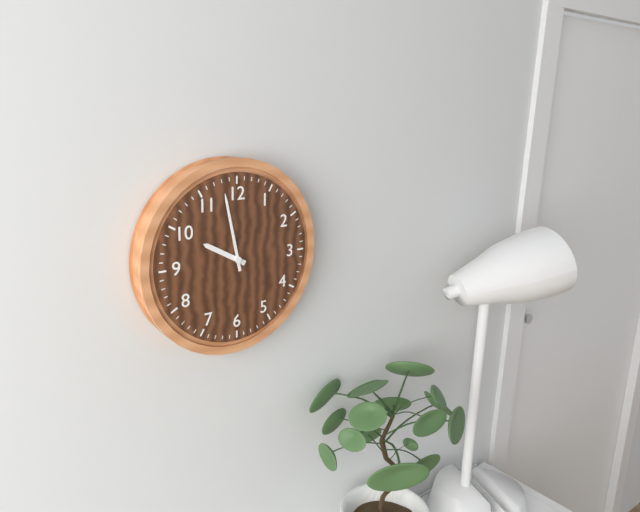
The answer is 9:58
